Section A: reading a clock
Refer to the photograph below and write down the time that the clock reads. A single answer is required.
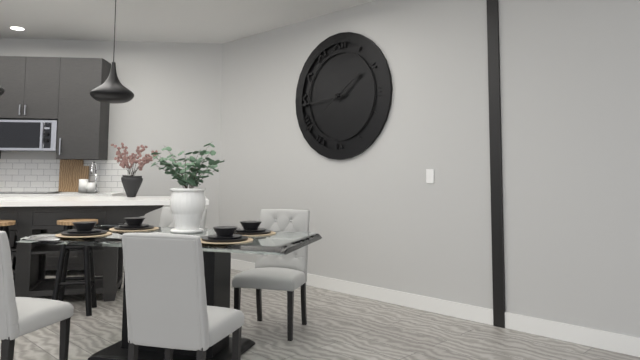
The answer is 1:44:39
